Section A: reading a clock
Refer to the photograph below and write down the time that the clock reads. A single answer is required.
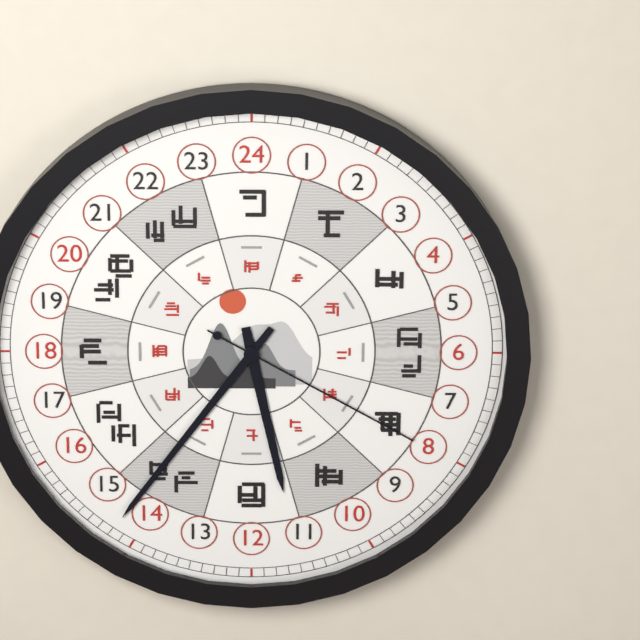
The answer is 5:36:20
